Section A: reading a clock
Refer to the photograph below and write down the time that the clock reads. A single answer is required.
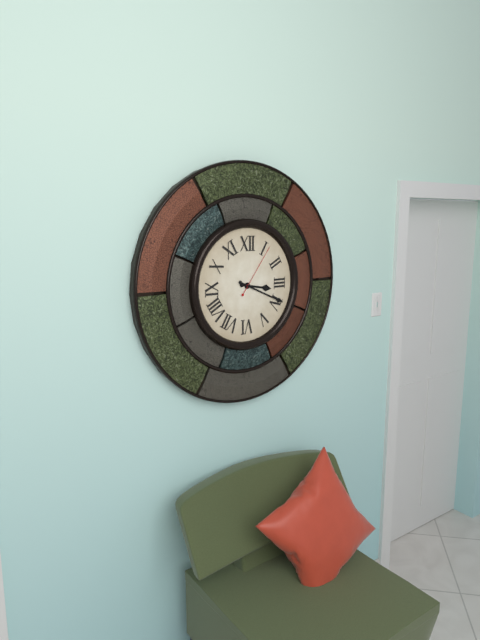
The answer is 3:19:06
